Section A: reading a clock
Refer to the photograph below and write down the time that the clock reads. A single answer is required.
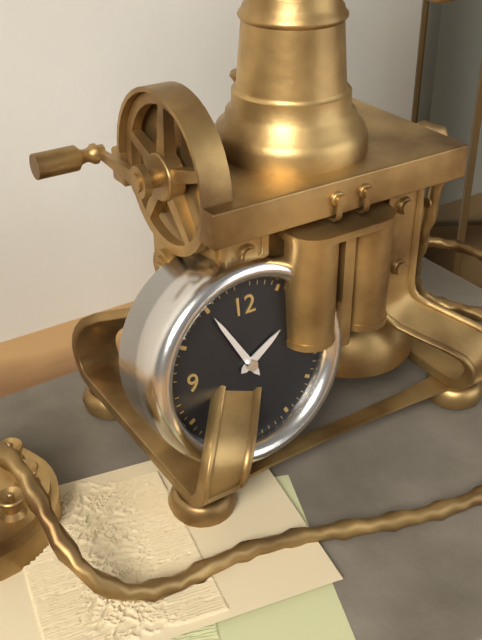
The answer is 1:55
